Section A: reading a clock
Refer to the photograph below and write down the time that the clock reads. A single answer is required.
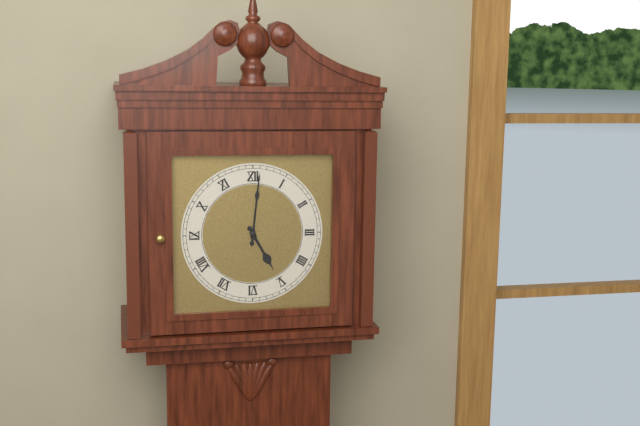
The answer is 5:01
